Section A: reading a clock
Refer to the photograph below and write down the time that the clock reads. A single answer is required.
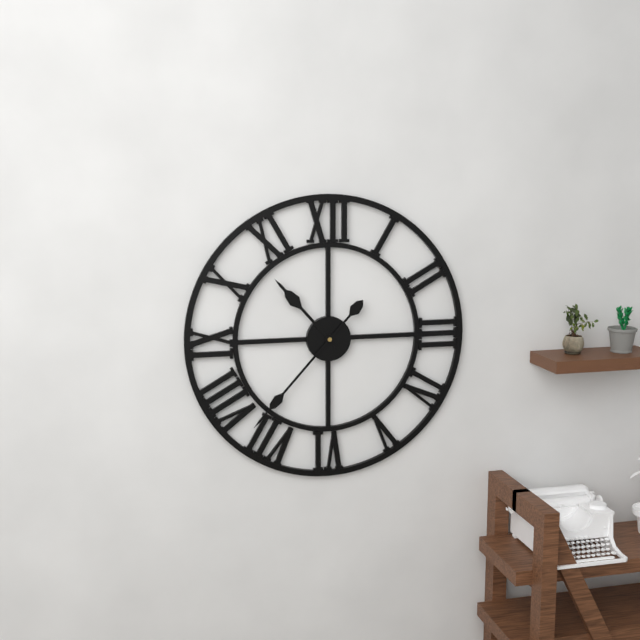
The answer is 10:37
